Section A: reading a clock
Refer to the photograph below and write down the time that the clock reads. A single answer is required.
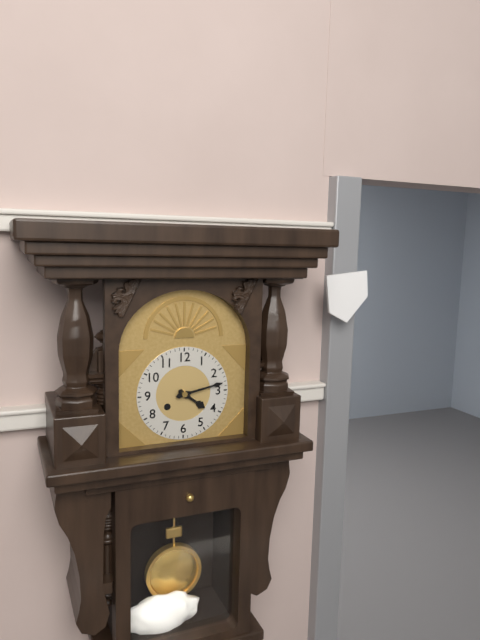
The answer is 4:13
